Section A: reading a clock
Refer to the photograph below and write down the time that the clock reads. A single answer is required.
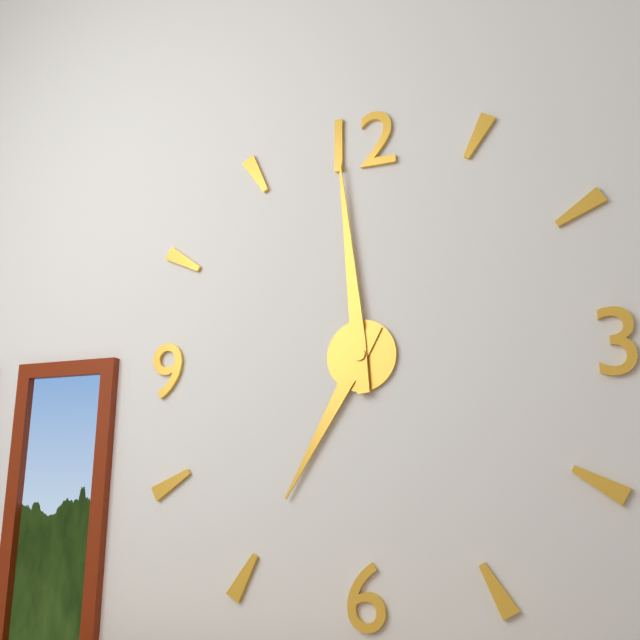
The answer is 6:59
